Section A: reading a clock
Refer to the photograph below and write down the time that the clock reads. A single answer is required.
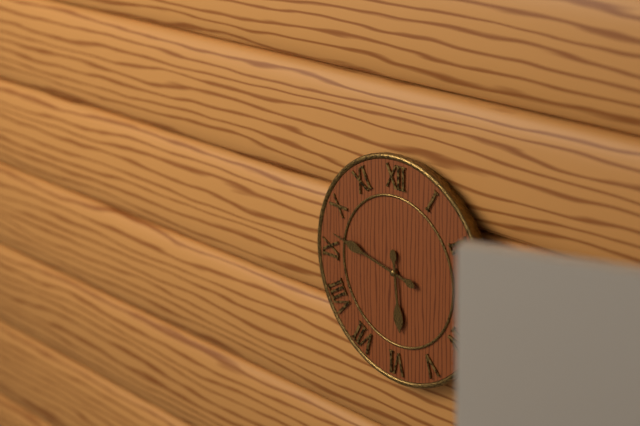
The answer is 5:47
